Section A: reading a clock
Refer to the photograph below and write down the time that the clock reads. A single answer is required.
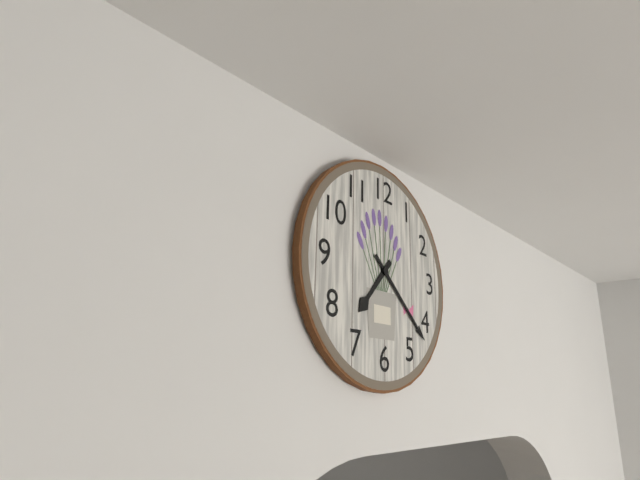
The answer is 7:22
